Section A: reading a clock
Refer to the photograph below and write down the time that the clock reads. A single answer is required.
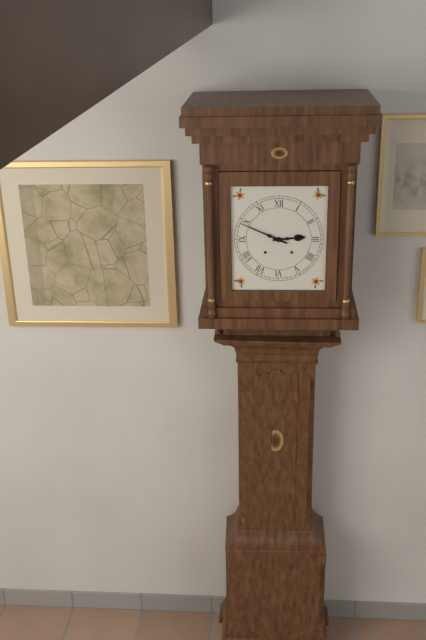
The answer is 2:49
